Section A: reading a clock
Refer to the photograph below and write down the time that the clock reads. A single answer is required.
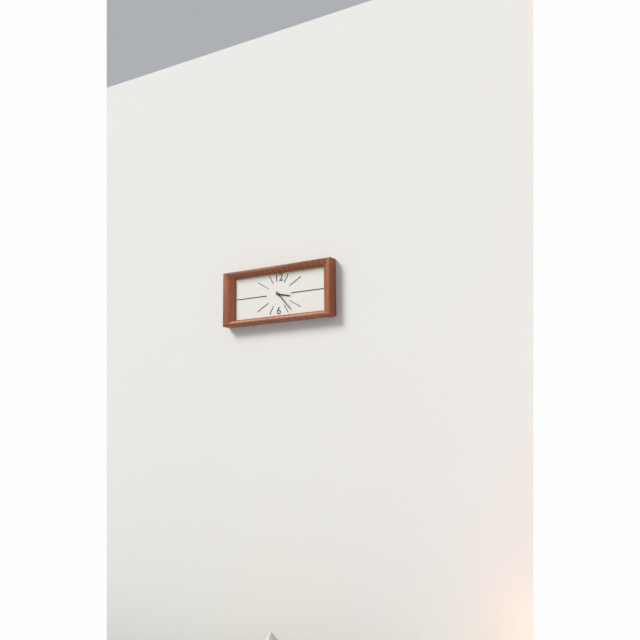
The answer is 3:23
